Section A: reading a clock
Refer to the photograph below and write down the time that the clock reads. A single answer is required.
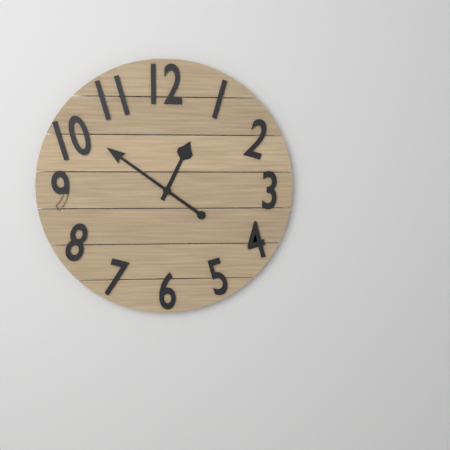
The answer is 12:51
